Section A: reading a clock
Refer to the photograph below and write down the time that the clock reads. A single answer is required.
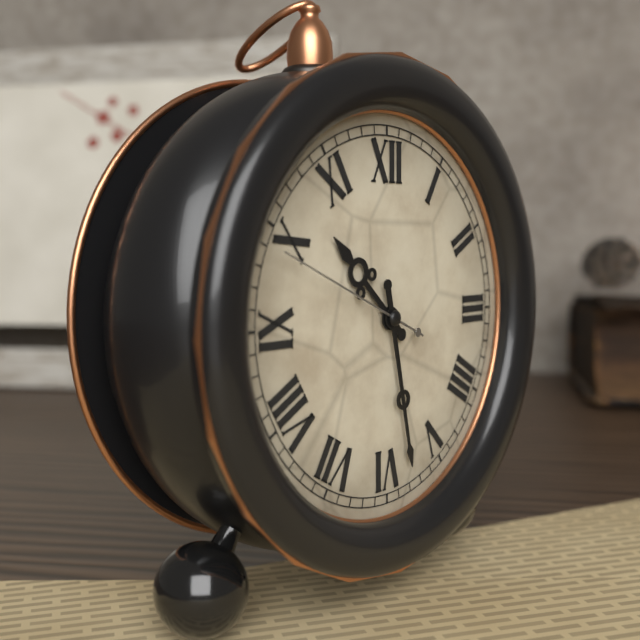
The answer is 10:28:49
